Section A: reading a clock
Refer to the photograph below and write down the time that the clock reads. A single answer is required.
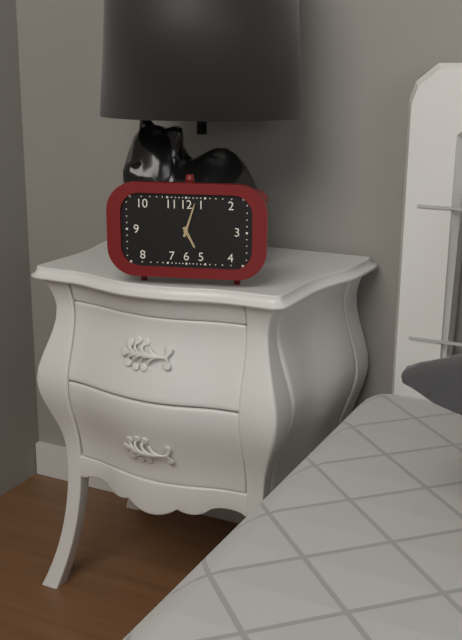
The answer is 5:03
